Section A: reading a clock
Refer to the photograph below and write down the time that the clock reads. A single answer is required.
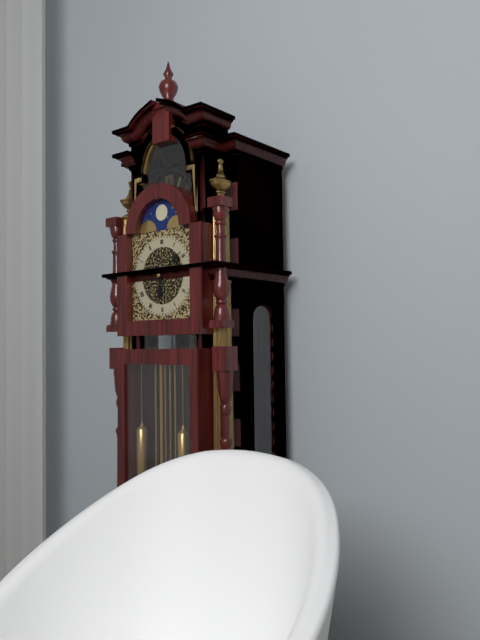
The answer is 6:09
